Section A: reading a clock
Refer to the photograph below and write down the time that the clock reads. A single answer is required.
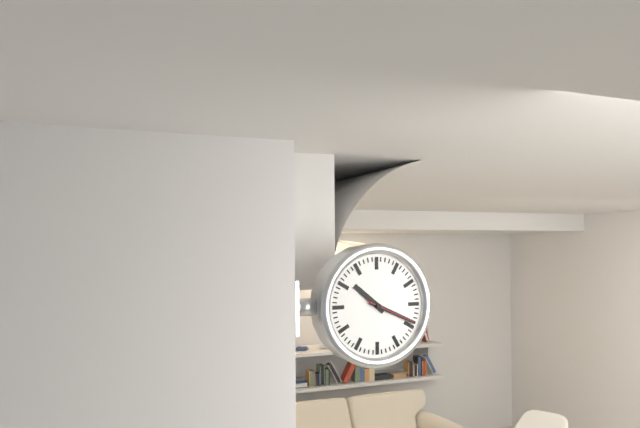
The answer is 10:19:19
